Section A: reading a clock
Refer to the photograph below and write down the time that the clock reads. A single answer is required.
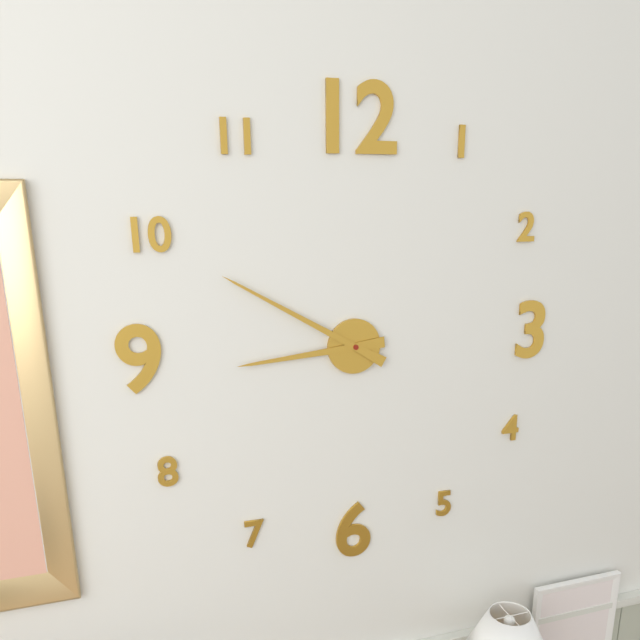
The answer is 8:50
